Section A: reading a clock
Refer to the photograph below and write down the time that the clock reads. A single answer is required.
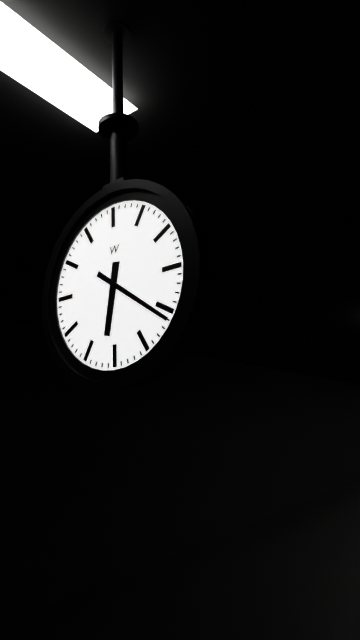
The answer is 6:21
